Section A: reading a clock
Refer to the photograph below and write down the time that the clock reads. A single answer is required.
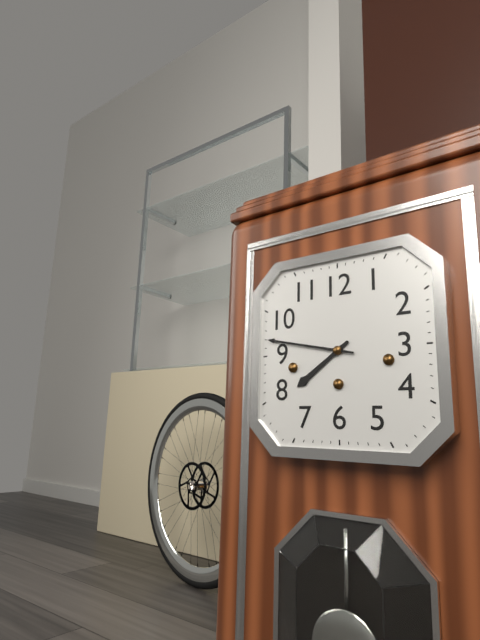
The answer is 7:47
